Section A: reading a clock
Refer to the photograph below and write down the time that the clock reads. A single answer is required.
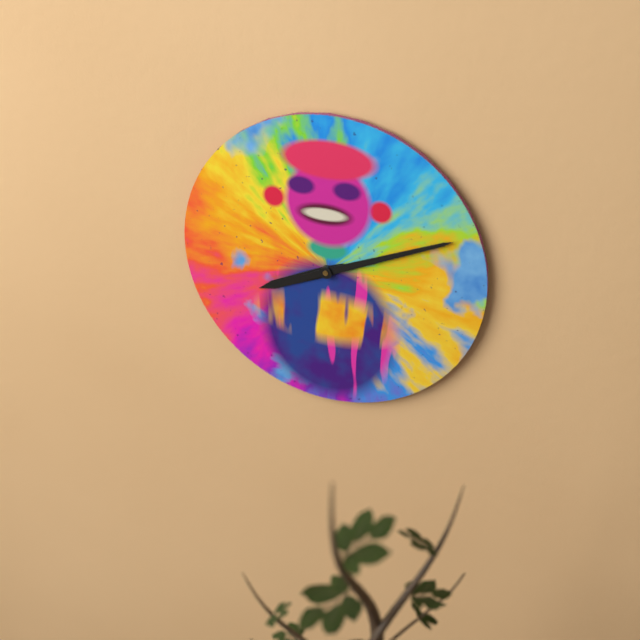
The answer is 8:11
